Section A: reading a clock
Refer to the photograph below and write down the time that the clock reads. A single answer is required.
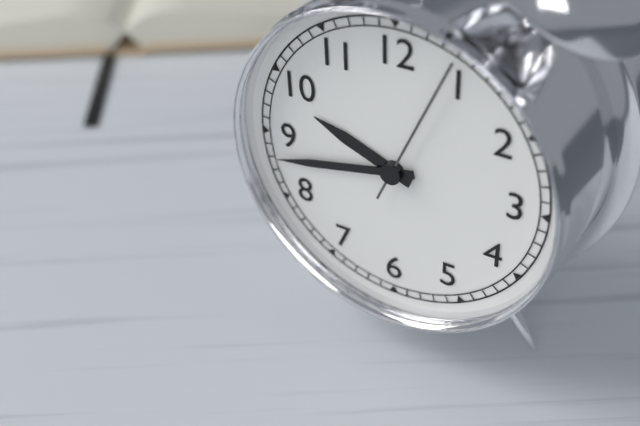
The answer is 9:43:04
